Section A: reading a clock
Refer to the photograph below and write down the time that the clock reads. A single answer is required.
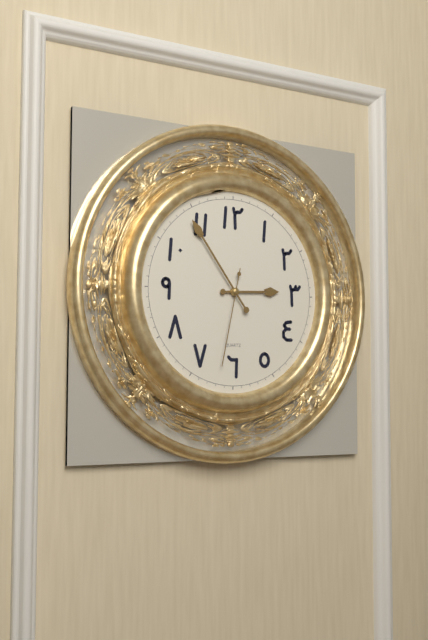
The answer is 2:54:32
